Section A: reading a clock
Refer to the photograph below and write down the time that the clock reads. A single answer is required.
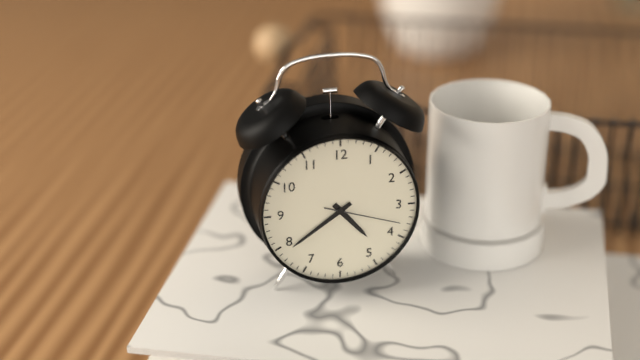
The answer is 4:39:18
